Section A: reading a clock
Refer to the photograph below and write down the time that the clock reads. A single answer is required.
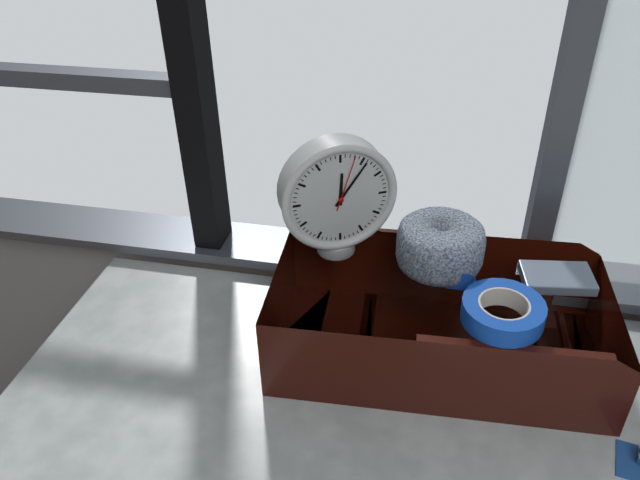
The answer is 12:06:03
